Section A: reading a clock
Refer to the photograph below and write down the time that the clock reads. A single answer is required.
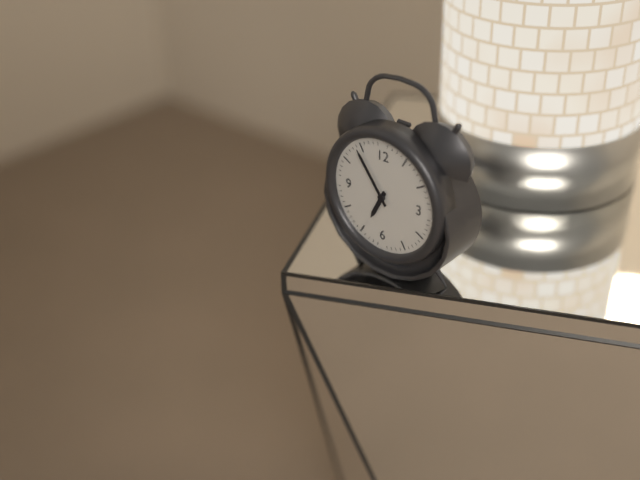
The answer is 6:54
